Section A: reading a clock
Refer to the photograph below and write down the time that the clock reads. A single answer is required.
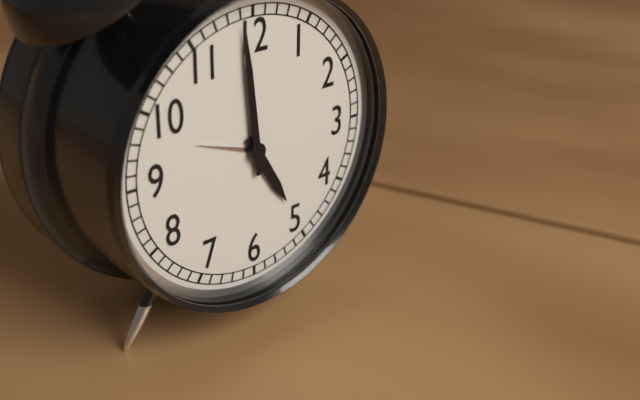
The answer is 4:59
